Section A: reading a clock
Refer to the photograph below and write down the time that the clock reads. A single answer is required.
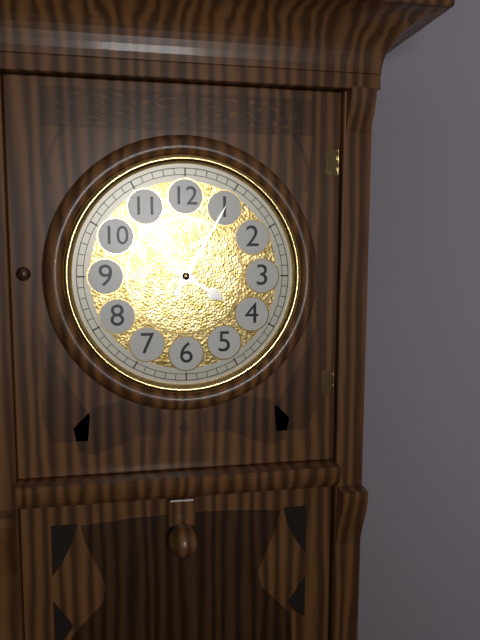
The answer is 4:05
